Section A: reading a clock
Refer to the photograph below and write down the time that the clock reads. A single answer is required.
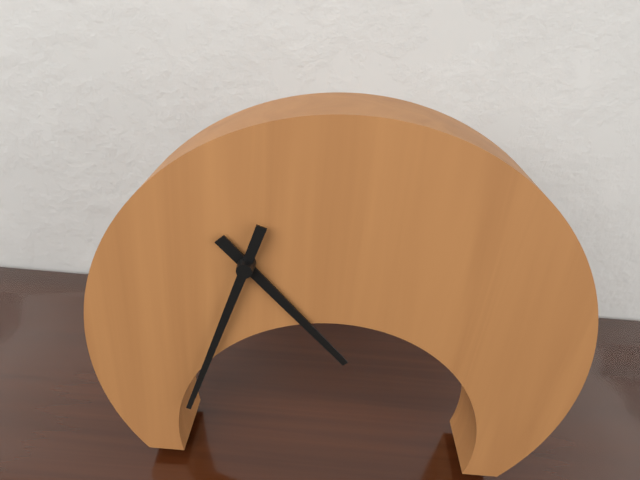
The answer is 4:33
